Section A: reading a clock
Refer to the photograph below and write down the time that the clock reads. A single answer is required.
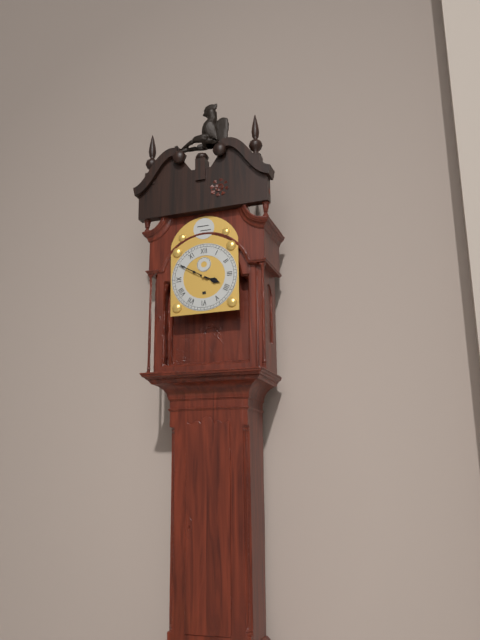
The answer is 3:50
